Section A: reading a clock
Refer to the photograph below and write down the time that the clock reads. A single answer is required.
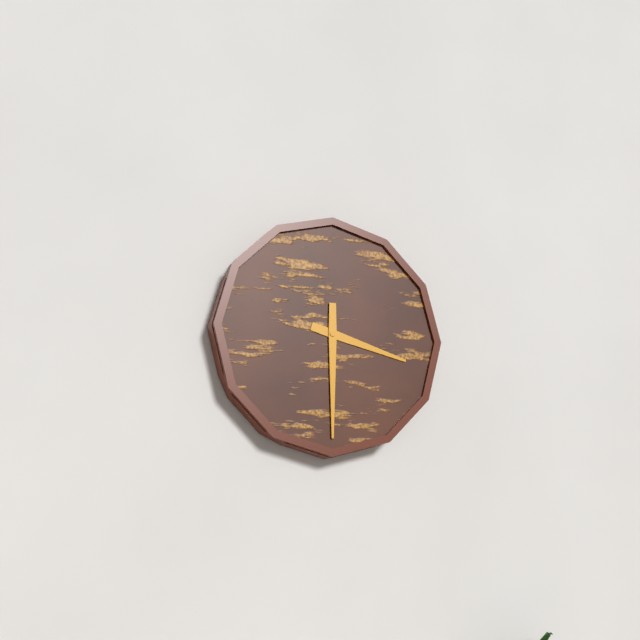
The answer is 3:30
